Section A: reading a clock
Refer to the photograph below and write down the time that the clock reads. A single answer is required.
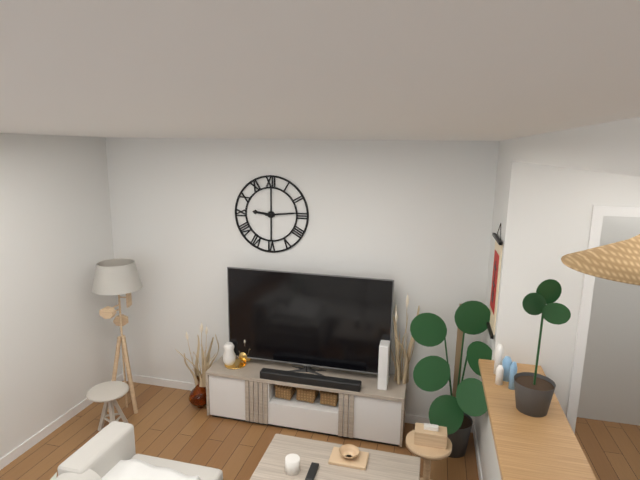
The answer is 9:14
